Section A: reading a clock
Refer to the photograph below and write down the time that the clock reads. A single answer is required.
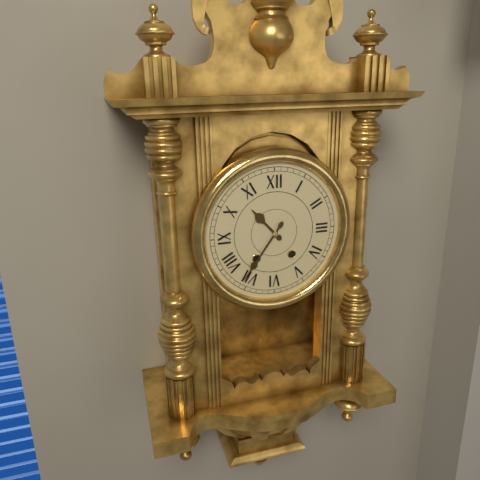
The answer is 10:36
